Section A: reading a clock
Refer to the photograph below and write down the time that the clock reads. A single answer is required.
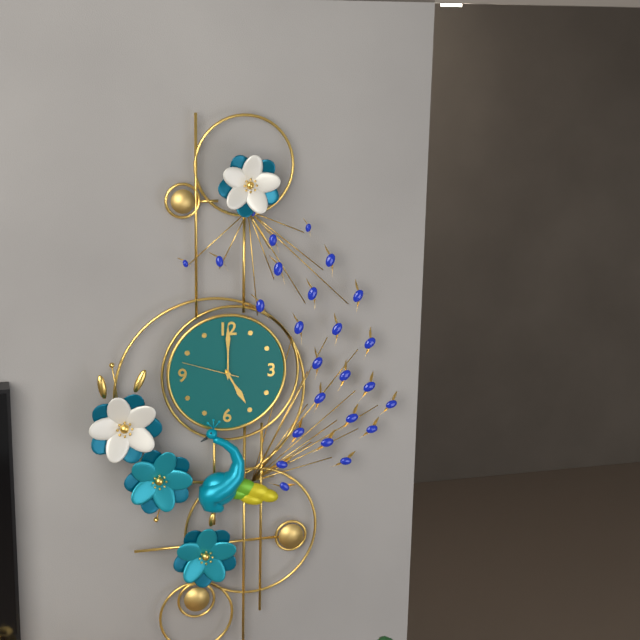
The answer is 5:00:48
